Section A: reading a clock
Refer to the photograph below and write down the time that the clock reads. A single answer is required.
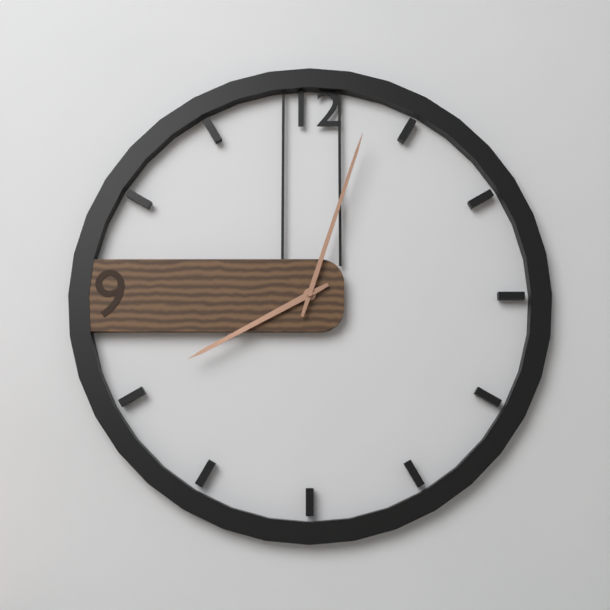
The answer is 8:03
